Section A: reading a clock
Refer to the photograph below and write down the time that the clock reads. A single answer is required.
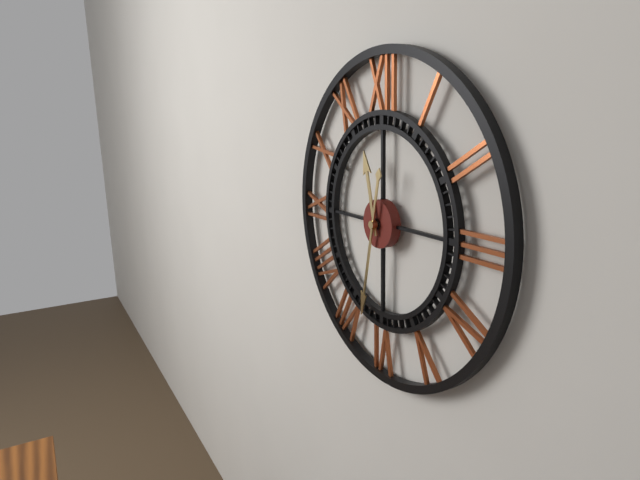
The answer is 11:32
